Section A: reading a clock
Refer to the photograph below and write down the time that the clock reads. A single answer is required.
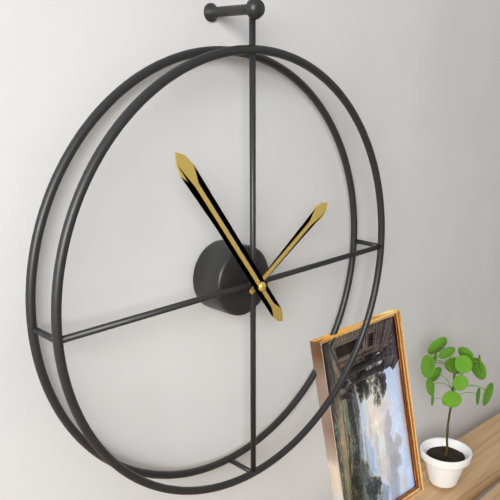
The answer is 1:54
